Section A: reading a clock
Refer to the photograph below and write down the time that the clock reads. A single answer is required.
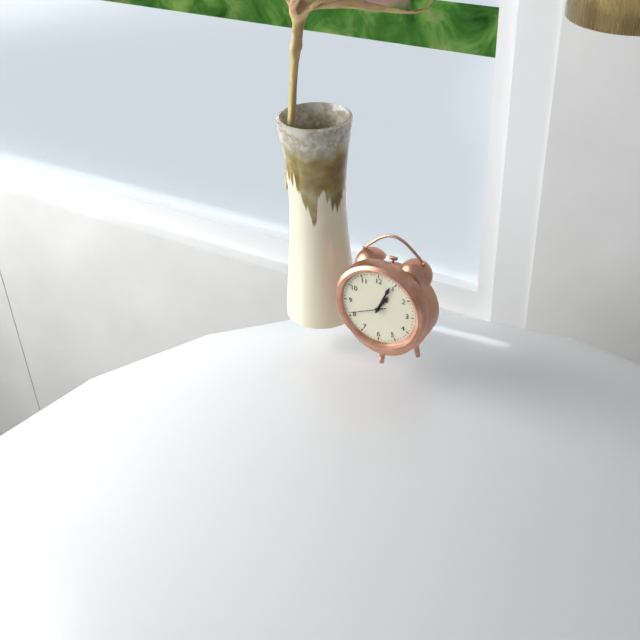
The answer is 1:04
